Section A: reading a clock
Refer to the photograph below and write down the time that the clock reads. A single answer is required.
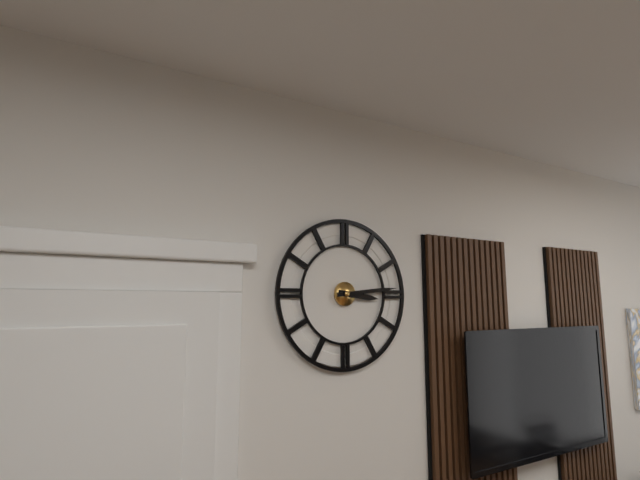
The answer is 3:14
